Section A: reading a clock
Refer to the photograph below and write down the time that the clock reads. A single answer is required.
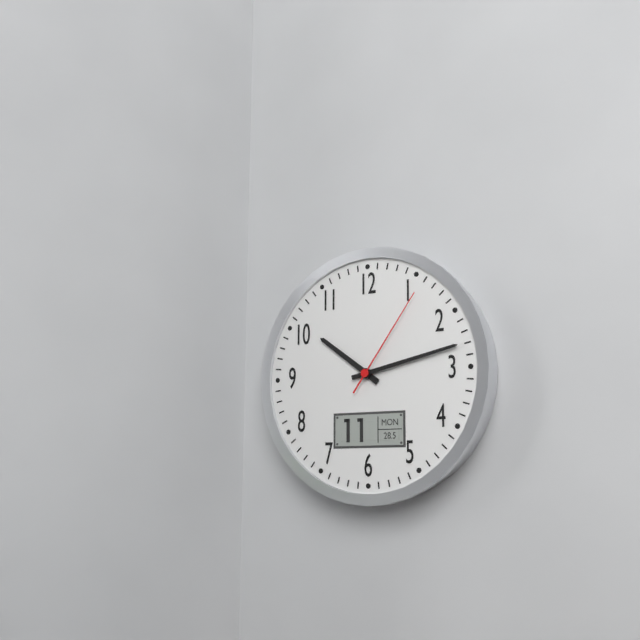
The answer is 10:13:06
